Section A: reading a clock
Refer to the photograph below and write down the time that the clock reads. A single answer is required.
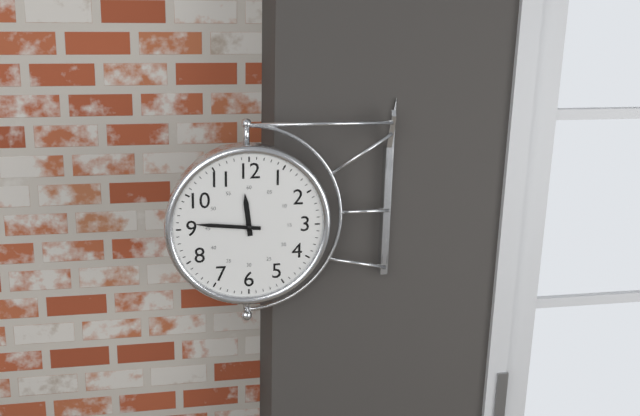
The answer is 11:46
